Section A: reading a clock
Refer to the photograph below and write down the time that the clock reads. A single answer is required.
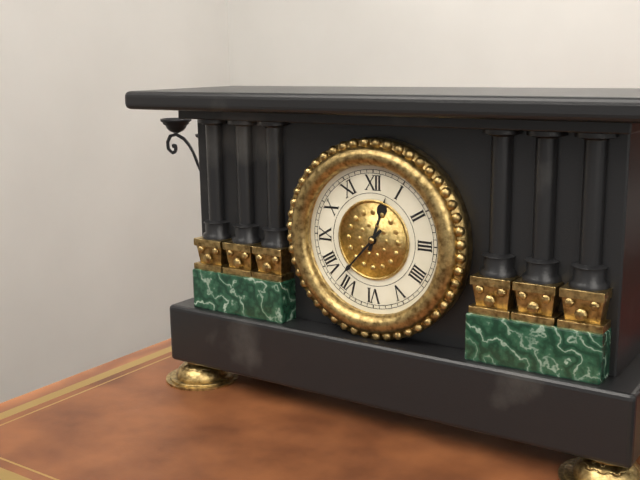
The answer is 12:37
